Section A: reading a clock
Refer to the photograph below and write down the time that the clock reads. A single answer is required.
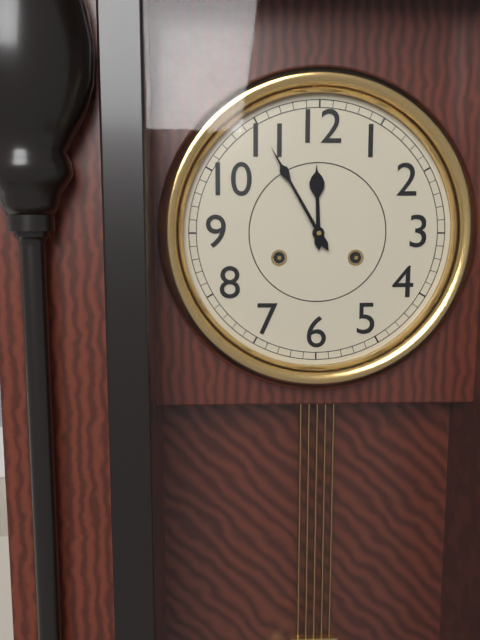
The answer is 11:55
